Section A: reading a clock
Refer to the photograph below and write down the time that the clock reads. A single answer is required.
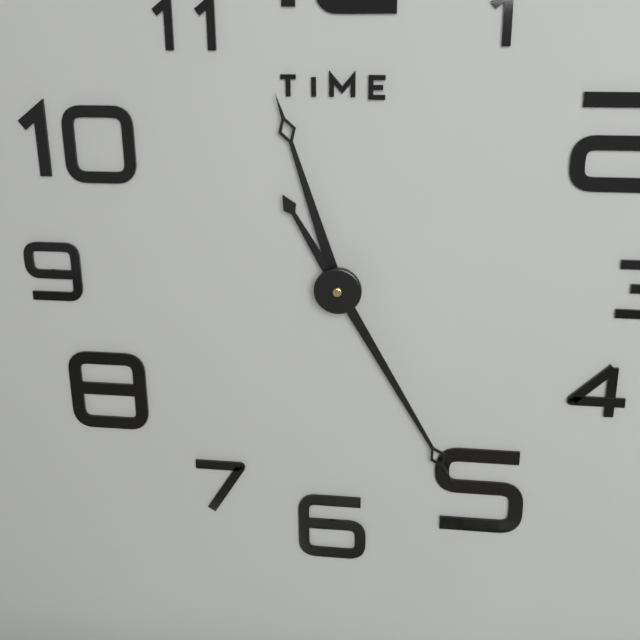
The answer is 11:25
